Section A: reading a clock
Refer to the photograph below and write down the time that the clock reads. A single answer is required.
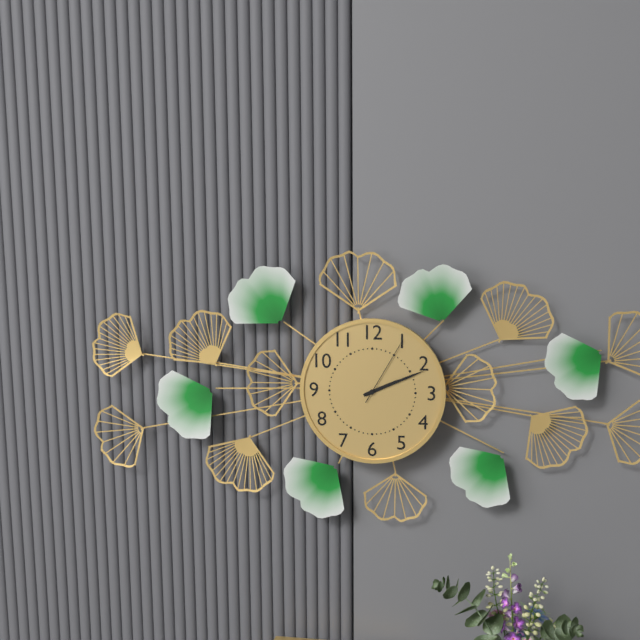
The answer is 2:11:05
